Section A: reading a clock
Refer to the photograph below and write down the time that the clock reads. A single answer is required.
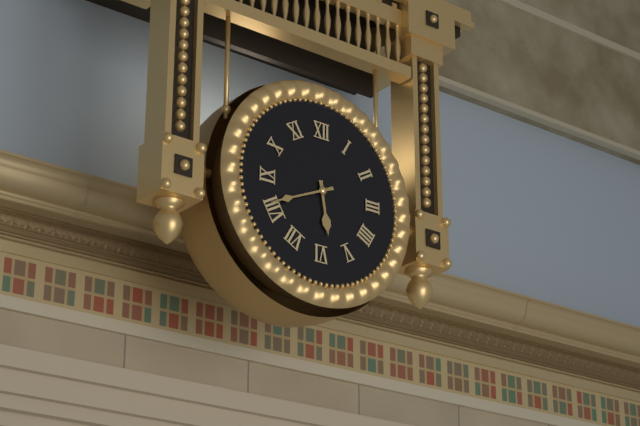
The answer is 5:41
